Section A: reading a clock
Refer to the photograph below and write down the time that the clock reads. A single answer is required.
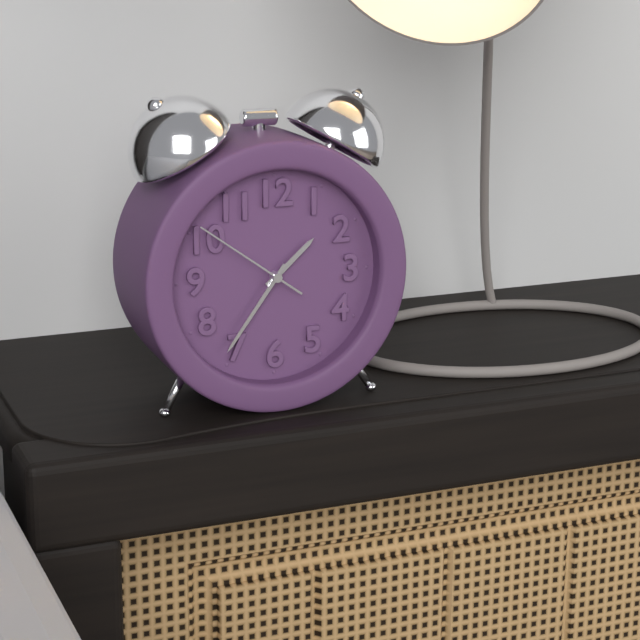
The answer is 1:36:51
